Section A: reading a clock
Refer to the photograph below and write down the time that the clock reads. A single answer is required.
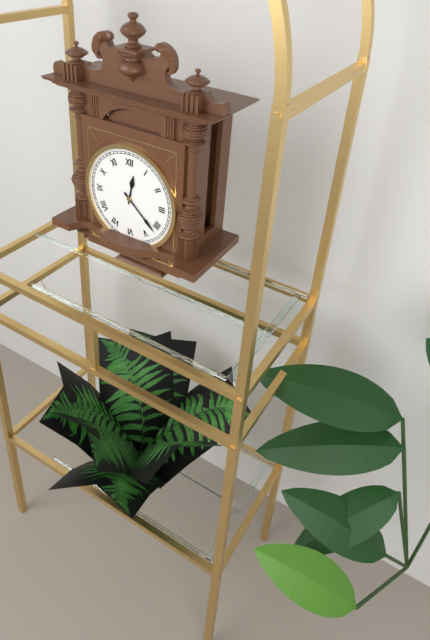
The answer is 12:22
